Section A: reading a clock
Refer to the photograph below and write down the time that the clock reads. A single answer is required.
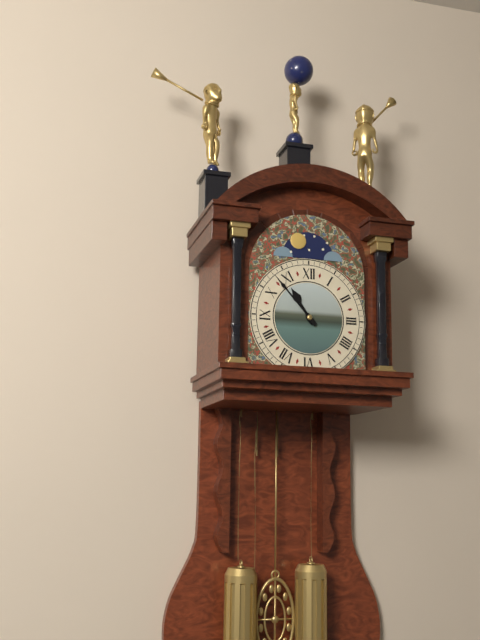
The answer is 10:53
